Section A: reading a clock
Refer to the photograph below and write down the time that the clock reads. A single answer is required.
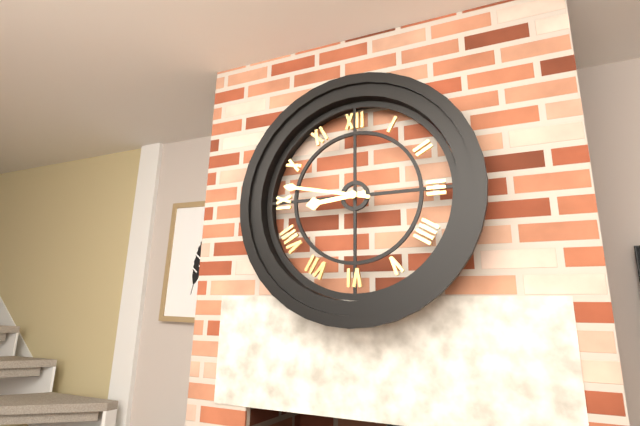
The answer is 8:47
